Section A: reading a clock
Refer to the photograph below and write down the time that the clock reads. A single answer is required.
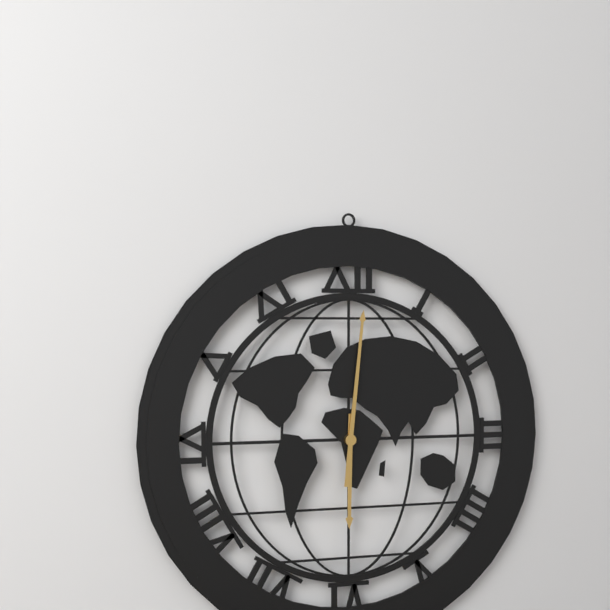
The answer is 6:01
